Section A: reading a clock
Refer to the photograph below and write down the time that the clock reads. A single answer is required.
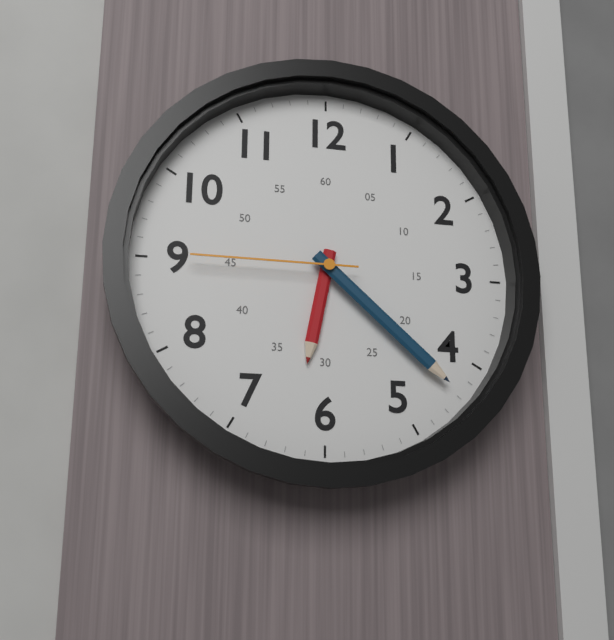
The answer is 6:22:45
